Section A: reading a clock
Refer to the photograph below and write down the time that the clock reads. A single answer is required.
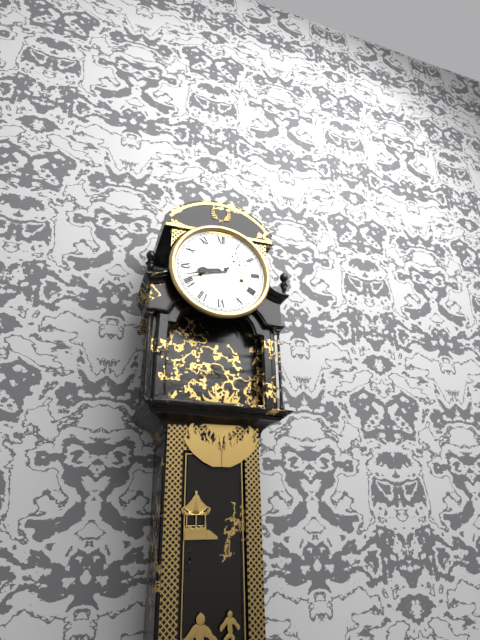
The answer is 8:42
